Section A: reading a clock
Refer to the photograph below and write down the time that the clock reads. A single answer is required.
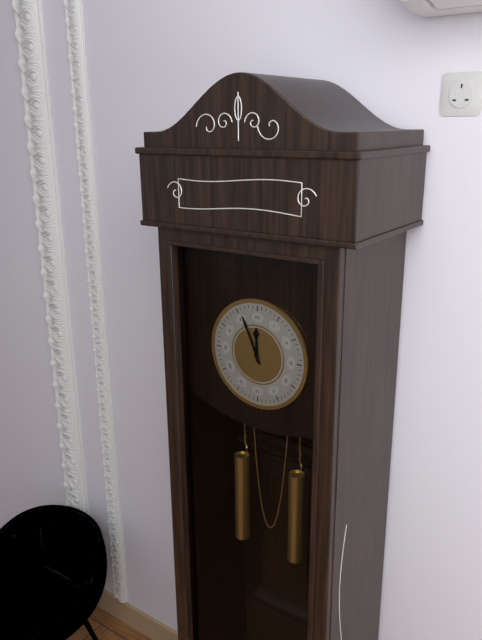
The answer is 11:56
